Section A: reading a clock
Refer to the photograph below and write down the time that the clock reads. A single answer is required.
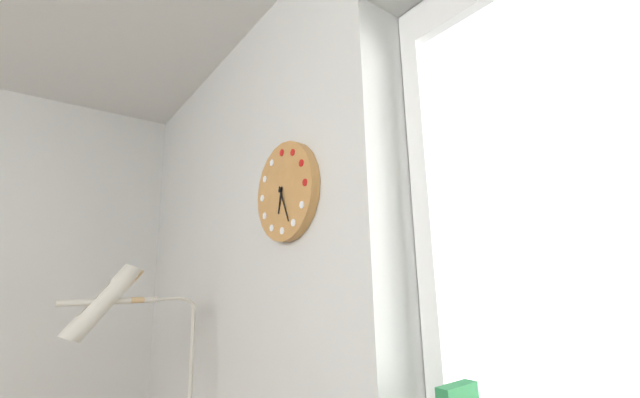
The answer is 6:26
